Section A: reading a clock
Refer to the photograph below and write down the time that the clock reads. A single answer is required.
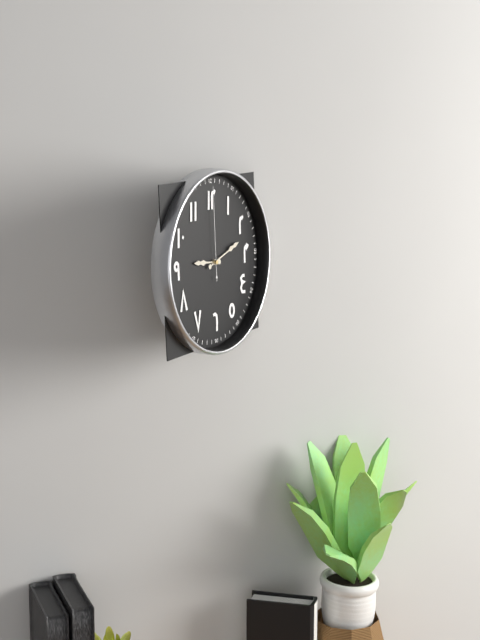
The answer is 9:12:00
